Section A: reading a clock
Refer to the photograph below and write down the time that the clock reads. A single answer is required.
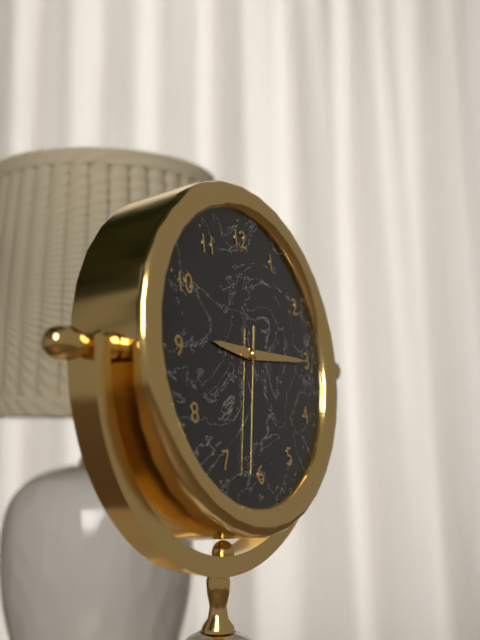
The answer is 9:15:32
